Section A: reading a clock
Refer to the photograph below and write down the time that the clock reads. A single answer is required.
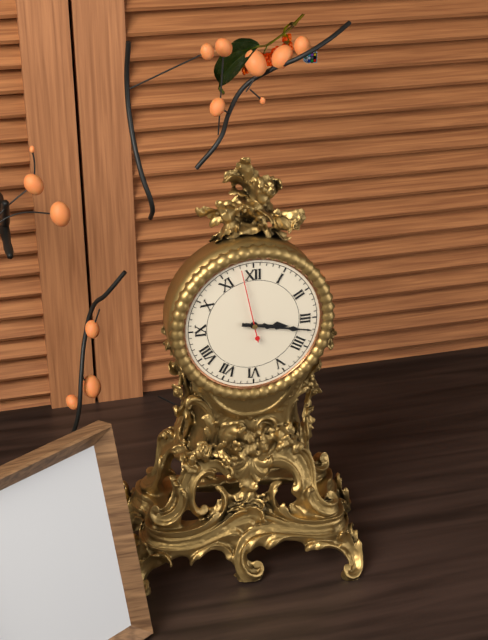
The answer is 3:17:58
